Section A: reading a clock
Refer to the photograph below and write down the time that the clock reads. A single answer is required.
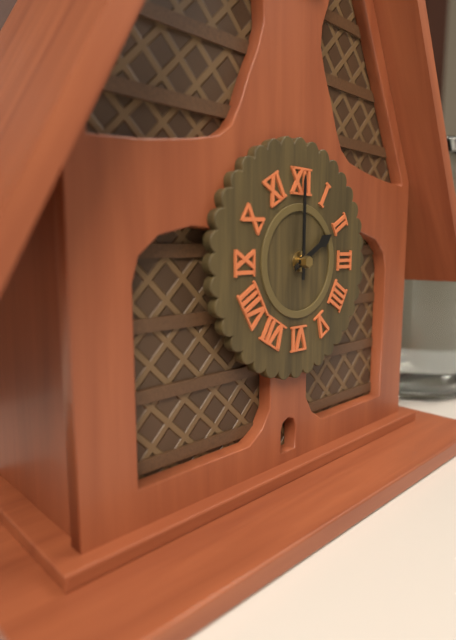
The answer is 2:00
